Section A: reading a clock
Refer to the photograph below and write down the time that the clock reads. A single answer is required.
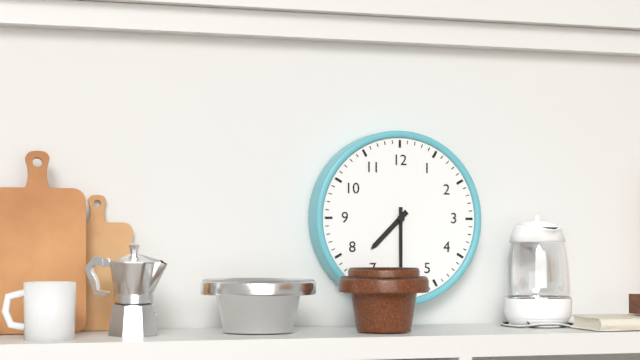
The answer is 7:30
